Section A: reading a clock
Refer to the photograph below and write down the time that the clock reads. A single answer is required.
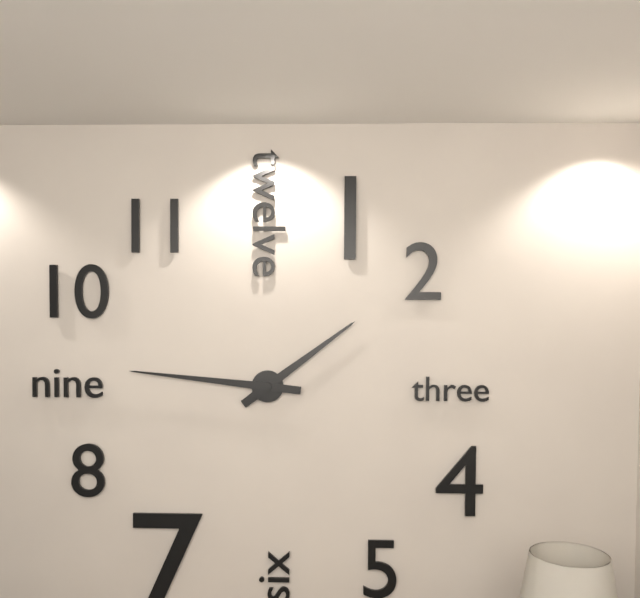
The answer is 1:46
